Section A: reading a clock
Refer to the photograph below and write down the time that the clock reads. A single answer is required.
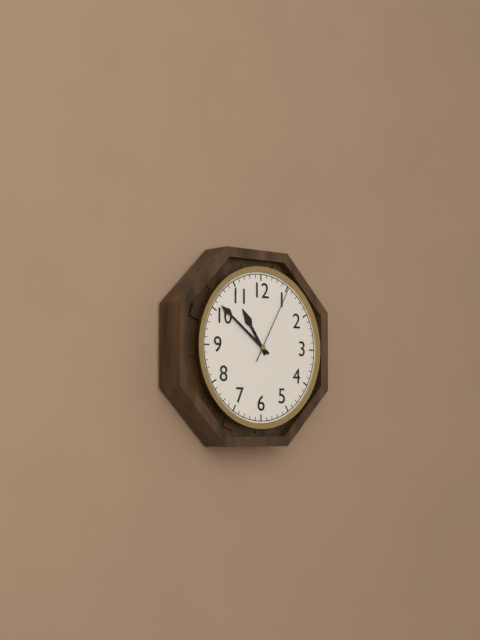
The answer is 10:51:05
